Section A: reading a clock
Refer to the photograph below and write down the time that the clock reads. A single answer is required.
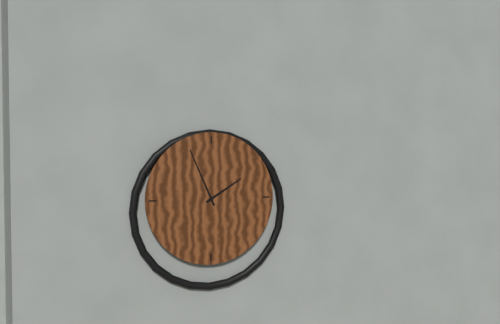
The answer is 1:56
